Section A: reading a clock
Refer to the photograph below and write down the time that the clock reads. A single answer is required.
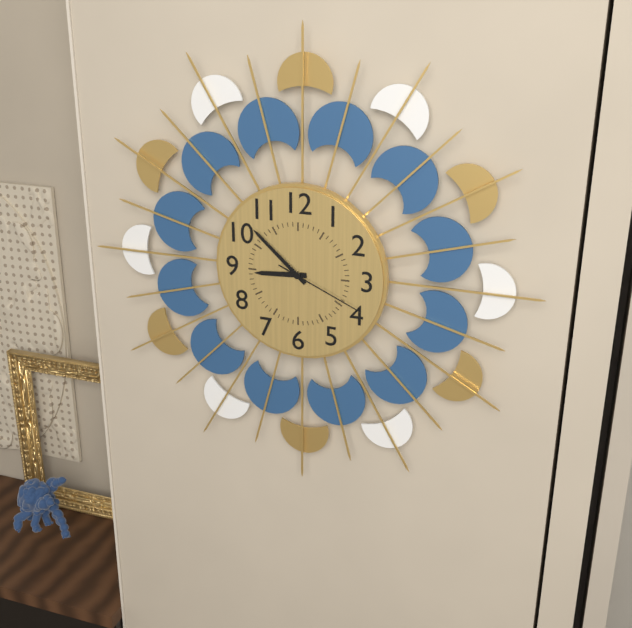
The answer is 8:52:19
